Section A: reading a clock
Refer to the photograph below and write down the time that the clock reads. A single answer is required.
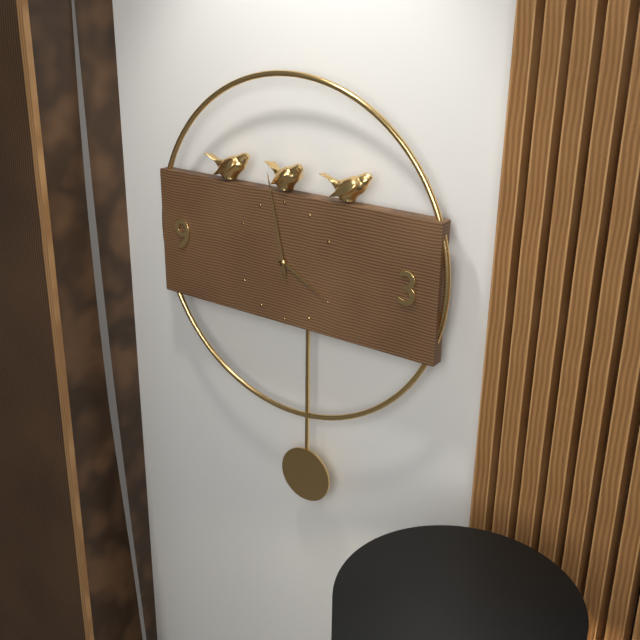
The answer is 3:58
